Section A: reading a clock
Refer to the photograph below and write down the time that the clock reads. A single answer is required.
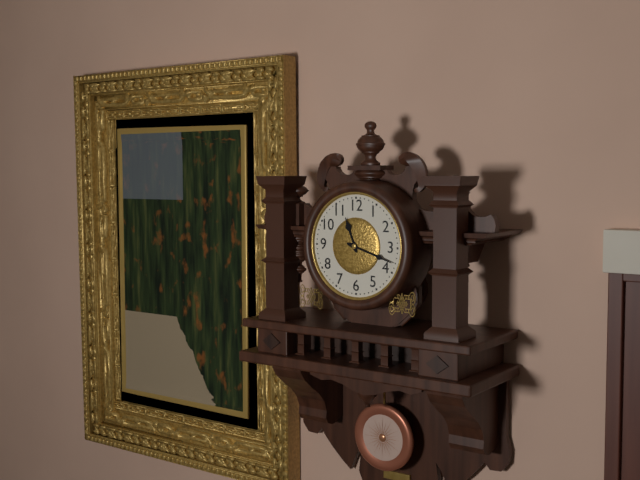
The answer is 11:18
